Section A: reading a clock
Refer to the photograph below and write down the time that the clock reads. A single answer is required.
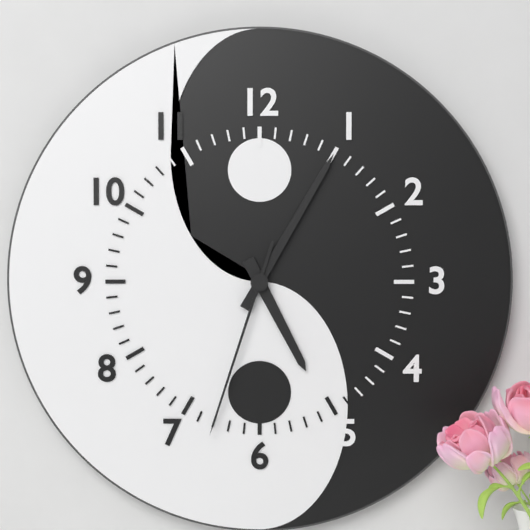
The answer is 5:05:33
